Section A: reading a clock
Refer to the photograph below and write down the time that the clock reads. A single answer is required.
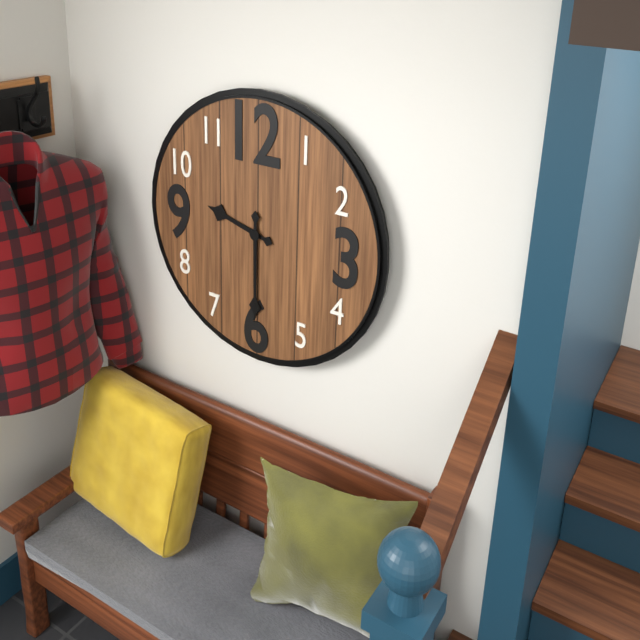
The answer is 9:30
